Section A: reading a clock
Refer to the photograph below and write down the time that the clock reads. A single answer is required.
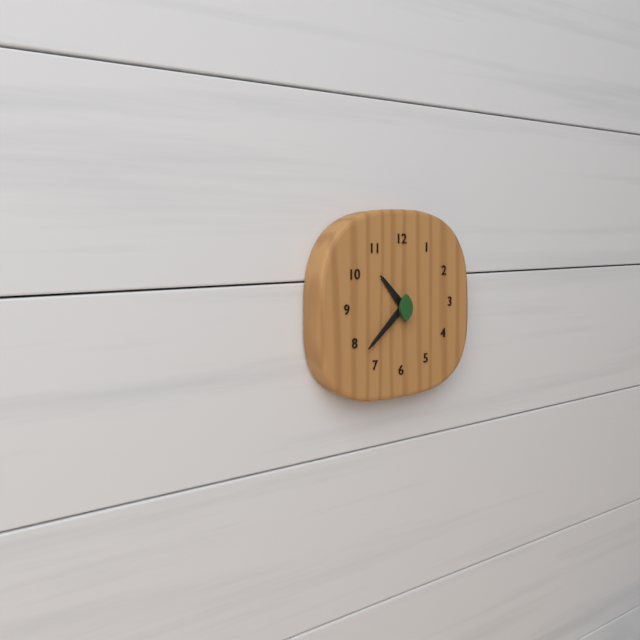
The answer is 10:38
